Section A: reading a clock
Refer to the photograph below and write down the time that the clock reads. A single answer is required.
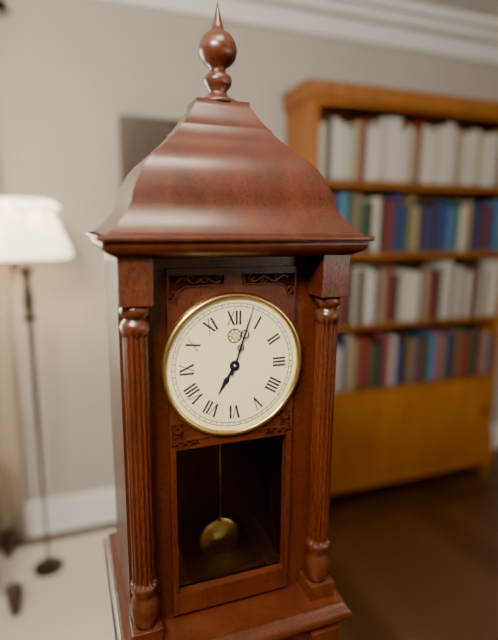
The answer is 7:03
